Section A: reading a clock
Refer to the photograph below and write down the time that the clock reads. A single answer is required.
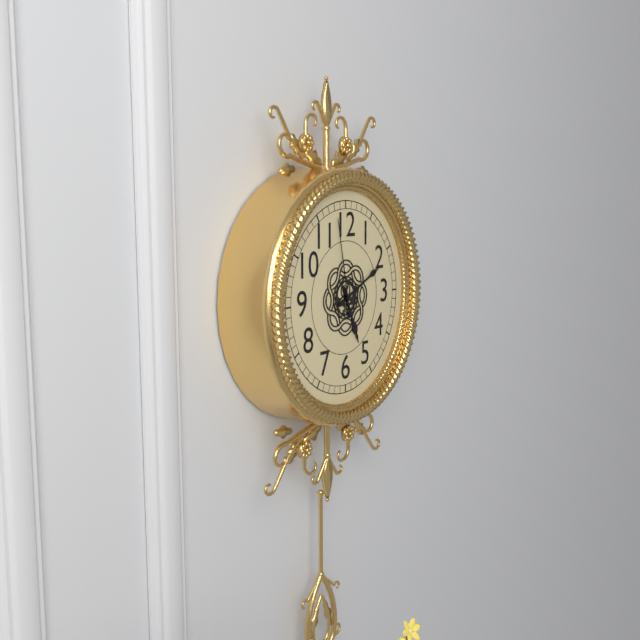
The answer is 5:11:58
